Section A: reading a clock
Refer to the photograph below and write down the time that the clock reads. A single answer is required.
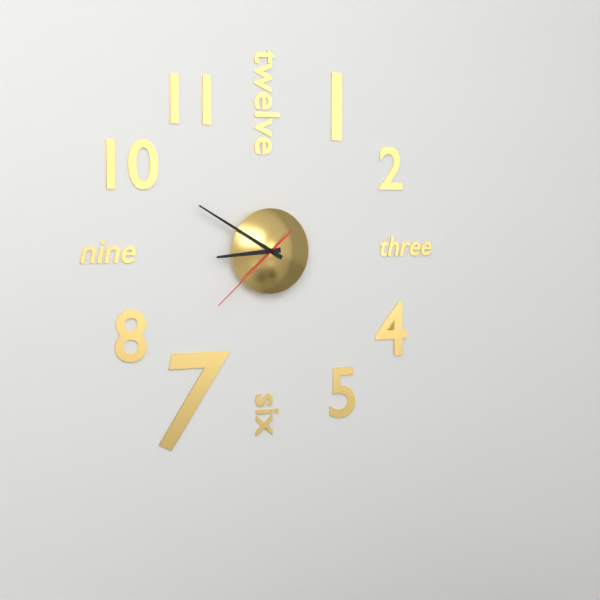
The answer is 8:50:38
